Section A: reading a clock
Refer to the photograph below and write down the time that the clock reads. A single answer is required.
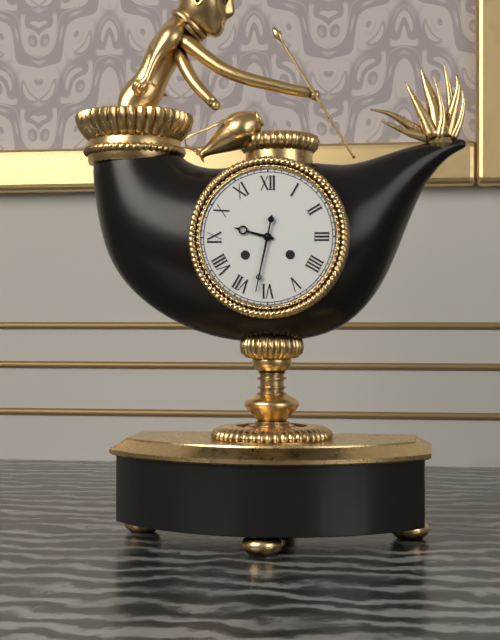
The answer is 9:32
